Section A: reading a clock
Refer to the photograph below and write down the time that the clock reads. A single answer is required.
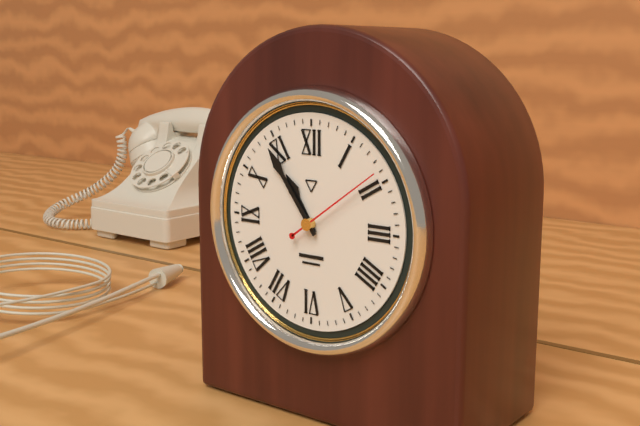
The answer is 10:54:09
